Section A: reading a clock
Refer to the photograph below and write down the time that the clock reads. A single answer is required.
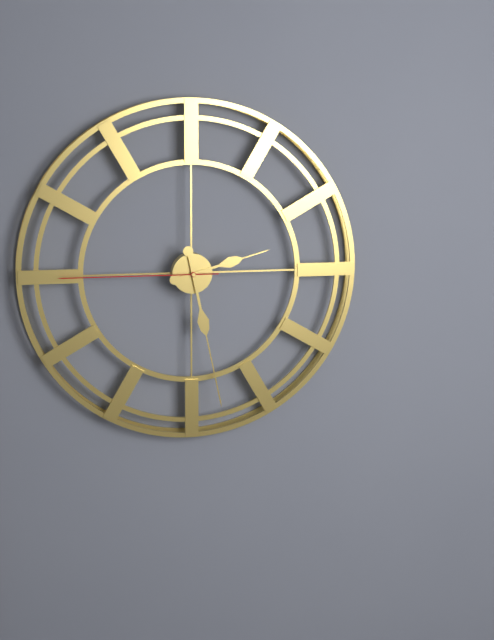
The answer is 2:28:45
